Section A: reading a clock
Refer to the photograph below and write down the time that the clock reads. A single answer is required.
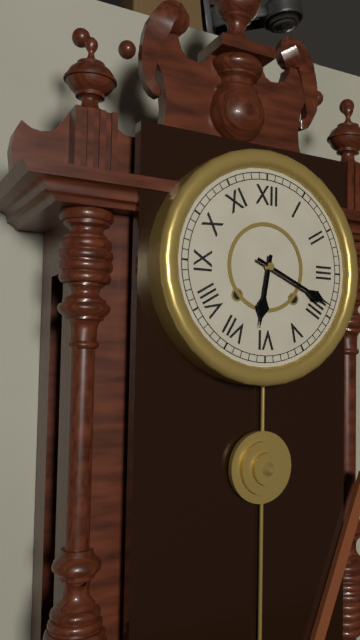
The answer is 6:19
